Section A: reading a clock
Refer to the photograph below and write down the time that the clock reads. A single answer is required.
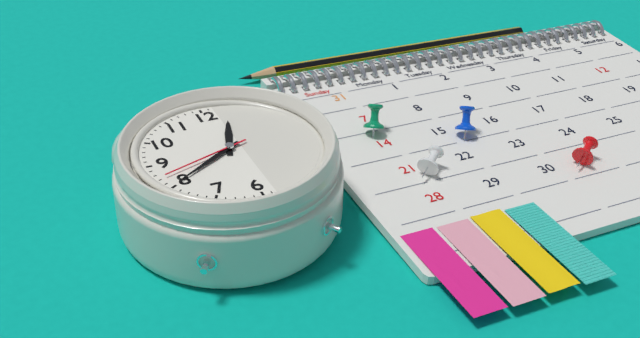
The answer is 12:40:42
